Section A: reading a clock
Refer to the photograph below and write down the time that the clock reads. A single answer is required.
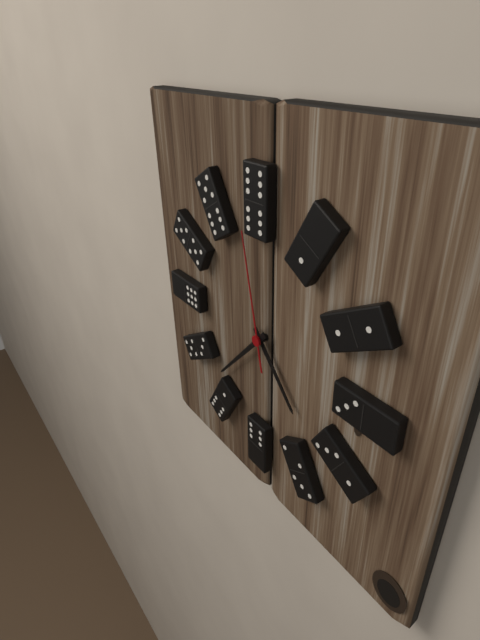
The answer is 4:37:58
